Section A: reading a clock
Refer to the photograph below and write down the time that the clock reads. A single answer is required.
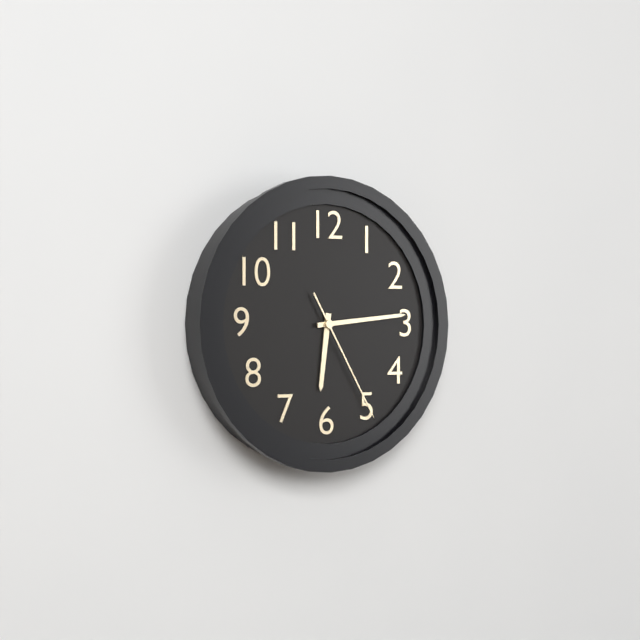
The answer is 6:14:25
